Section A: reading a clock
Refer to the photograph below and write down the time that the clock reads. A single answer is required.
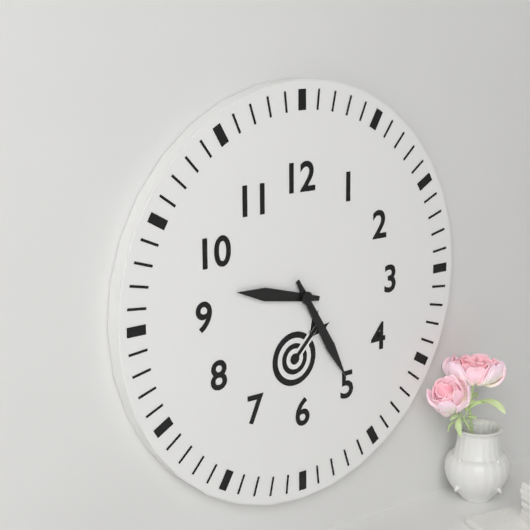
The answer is 9:25
